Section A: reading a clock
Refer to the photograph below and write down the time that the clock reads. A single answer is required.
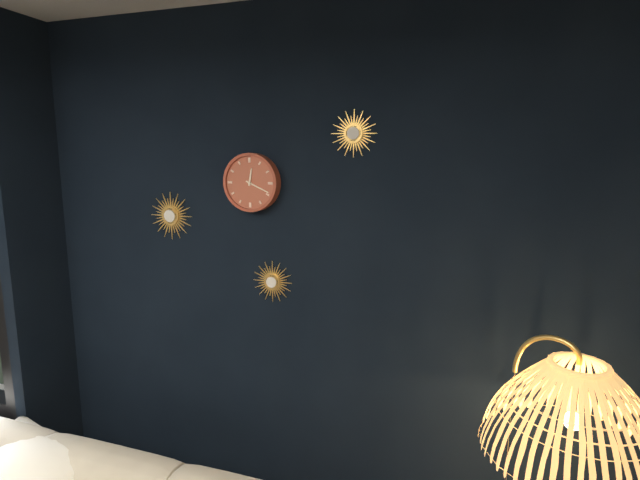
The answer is 12:19
